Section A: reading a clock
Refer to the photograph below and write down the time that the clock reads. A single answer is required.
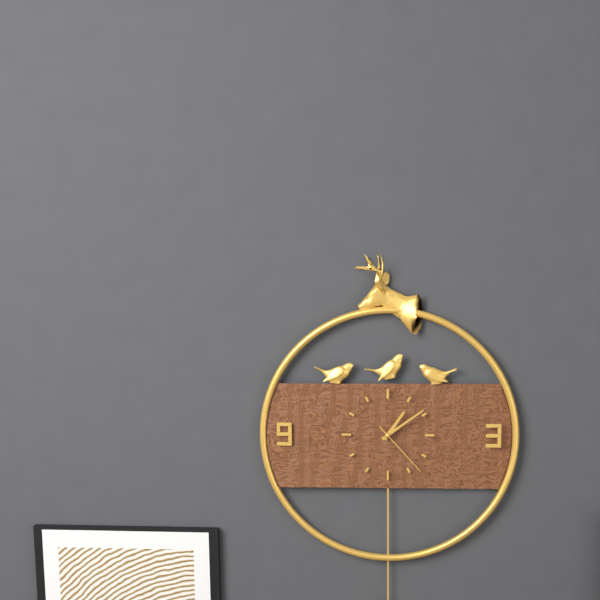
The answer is 1:09:23
